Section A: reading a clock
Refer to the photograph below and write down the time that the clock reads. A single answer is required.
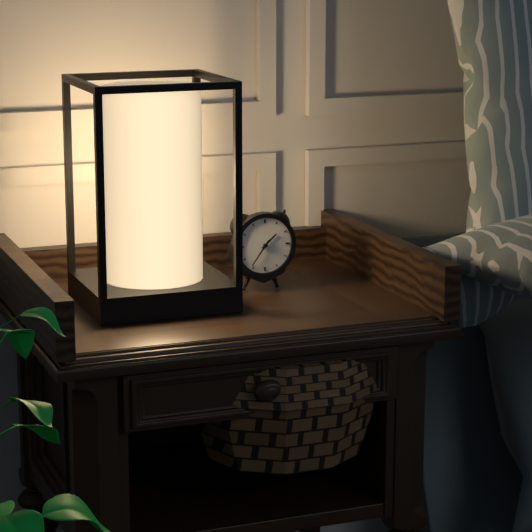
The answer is 1:36
